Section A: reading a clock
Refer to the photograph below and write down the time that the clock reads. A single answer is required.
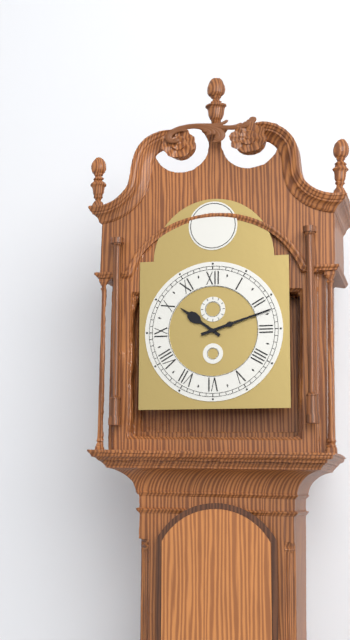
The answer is 10:12
